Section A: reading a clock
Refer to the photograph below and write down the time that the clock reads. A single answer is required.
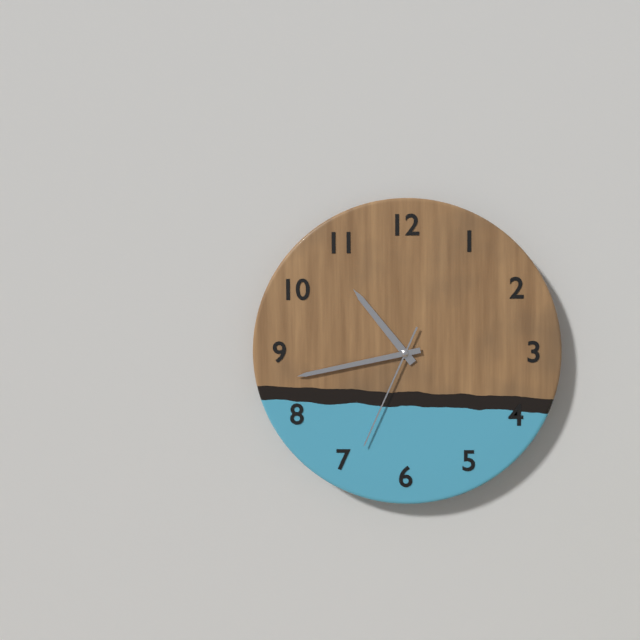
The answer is 10:43:34
